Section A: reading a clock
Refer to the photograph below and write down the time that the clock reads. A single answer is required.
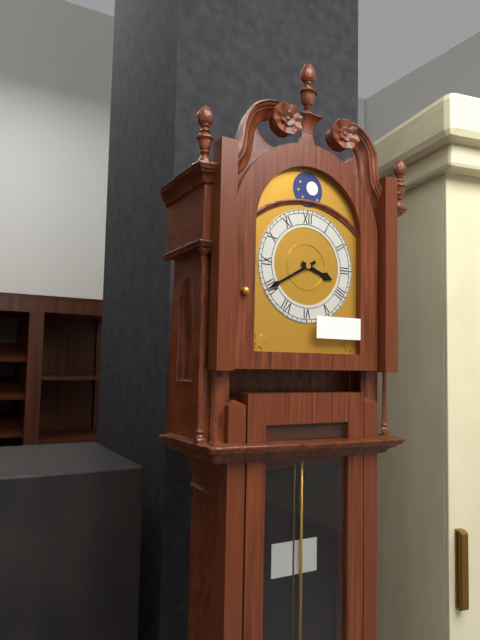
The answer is 3:40
